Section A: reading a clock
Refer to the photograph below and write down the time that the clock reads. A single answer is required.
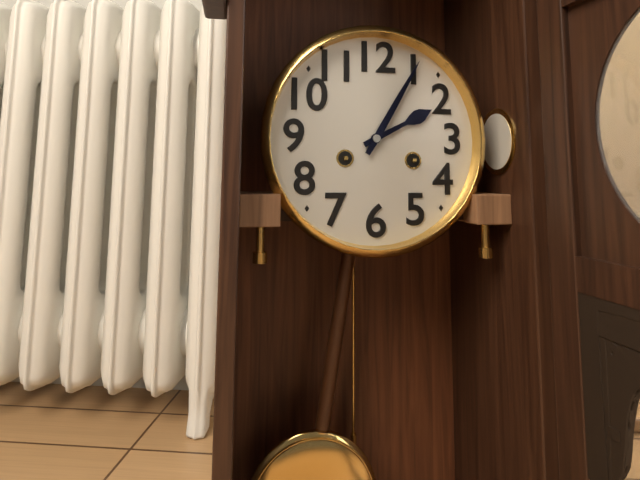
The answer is 2:05
